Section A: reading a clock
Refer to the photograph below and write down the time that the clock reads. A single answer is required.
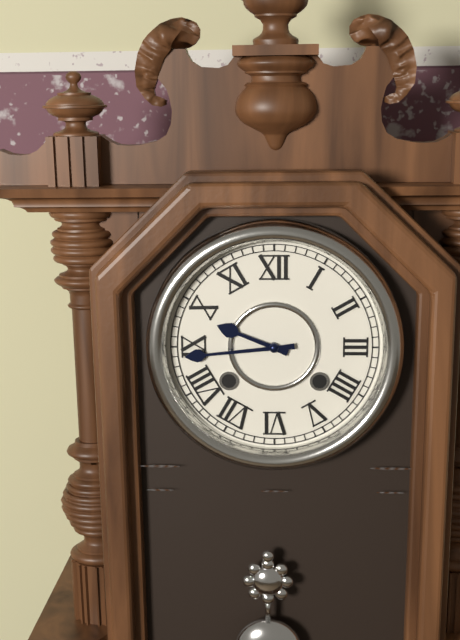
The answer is 9:44
